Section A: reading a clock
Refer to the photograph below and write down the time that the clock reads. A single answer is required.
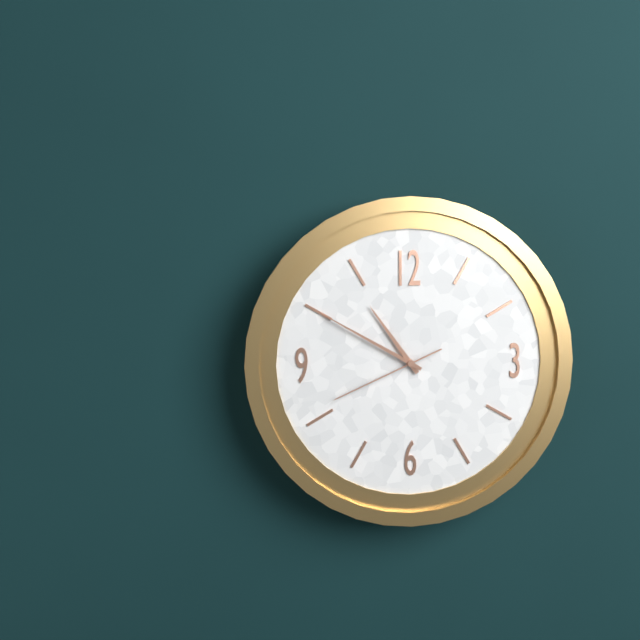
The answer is 10:50:41
